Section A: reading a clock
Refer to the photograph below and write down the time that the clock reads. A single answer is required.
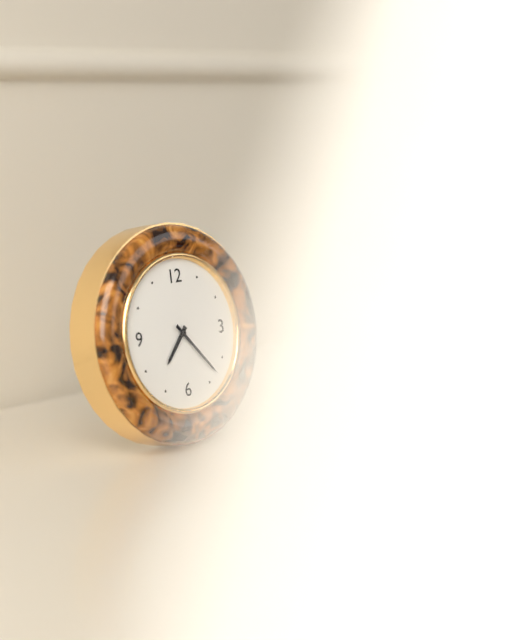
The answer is 7:23
